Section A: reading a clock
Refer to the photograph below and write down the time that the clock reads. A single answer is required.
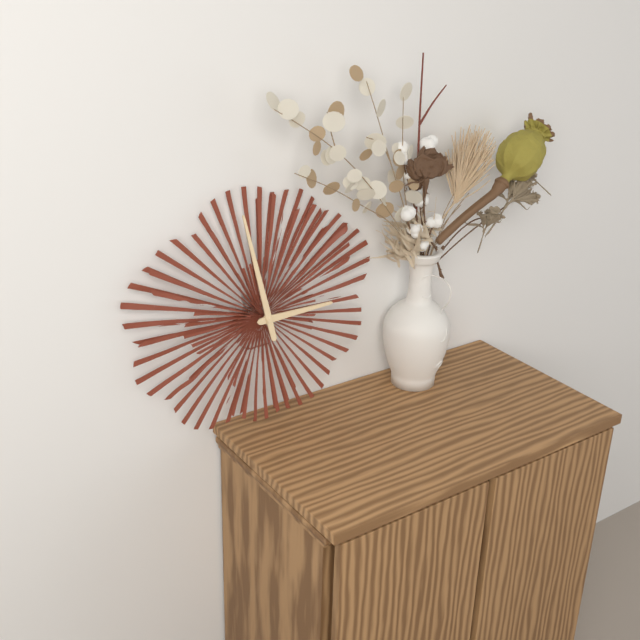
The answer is 2:58
